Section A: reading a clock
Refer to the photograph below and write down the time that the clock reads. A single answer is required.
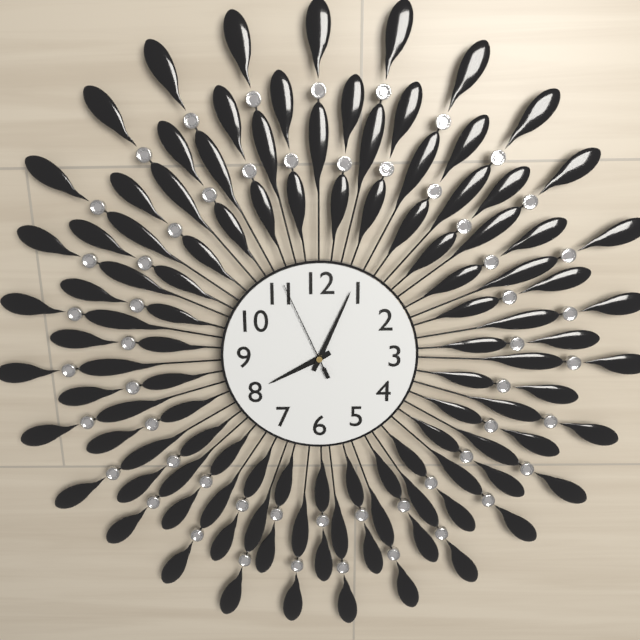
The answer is 8:04:56
